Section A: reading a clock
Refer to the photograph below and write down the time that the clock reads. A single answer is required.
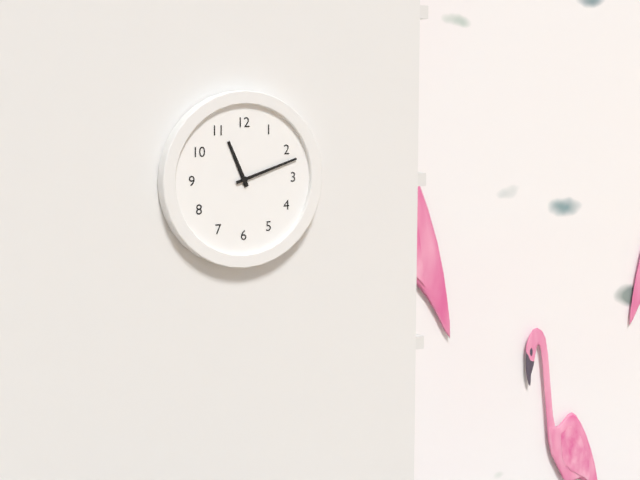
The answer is 11:12
